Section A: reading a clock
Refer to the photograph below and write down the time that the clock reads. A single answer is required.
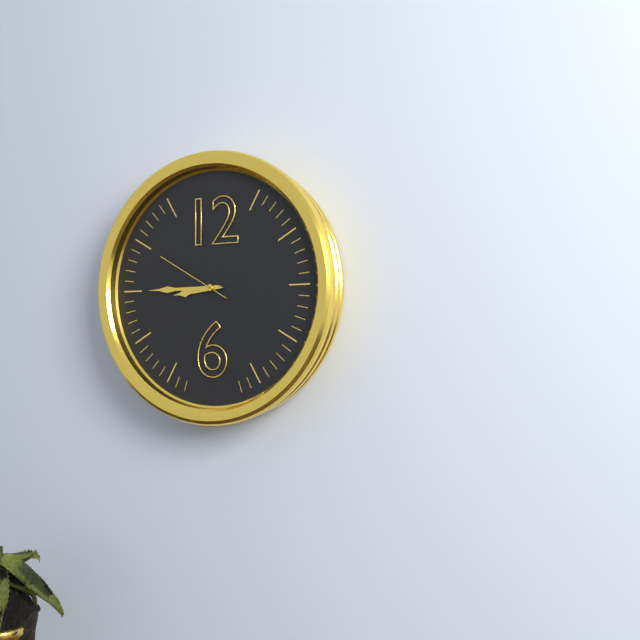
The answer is 8:45:50
